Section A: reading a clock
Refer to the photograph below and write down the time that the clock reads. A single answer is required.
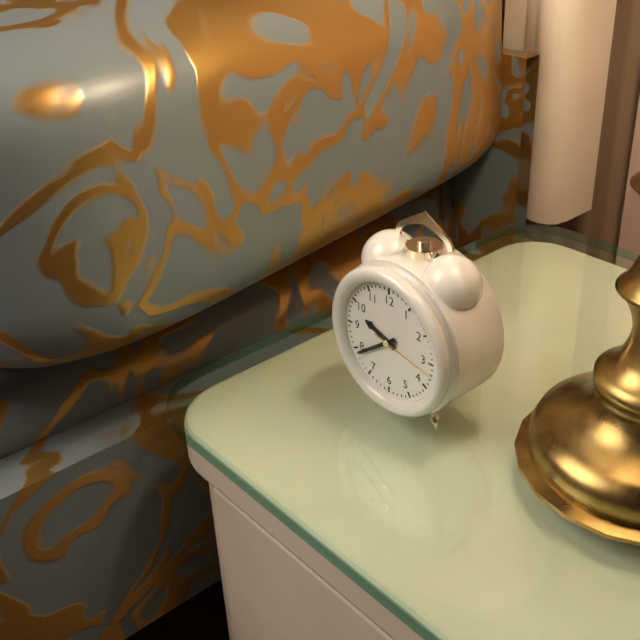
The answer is 9:39:17
